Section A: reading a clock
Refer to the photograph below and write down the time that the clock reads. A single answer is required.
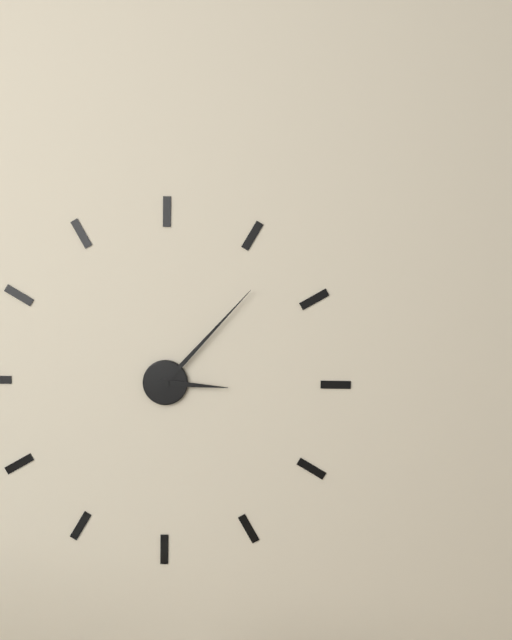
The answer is 3:07
